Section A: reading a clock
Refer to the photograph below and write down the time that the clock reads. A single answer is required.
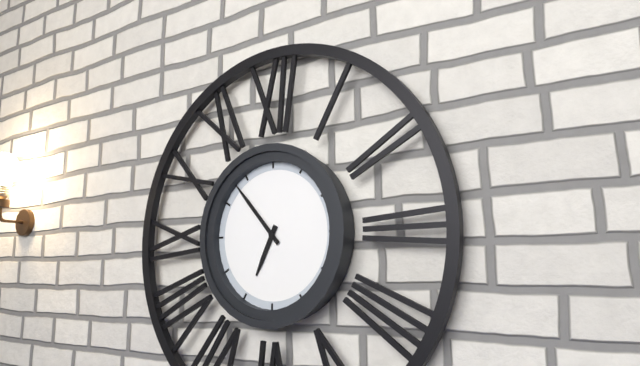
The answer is 6:53
